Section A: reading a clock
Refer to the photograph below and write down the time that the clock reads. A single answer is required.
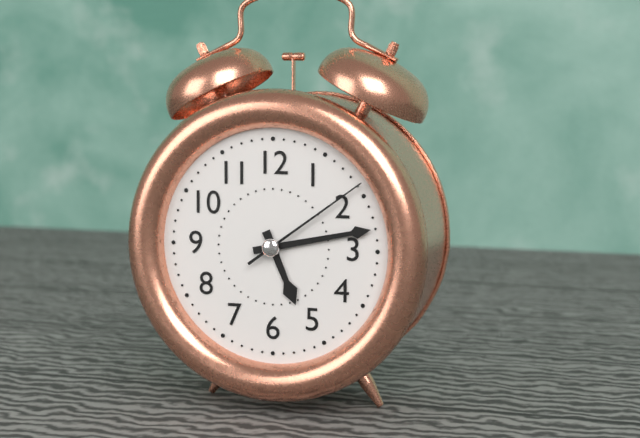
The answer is 5:13:09
